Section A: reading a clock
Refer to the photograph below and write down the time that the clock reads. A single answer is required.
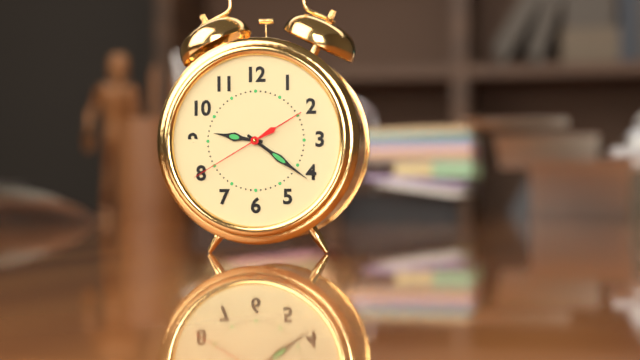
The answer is 9:21:40
